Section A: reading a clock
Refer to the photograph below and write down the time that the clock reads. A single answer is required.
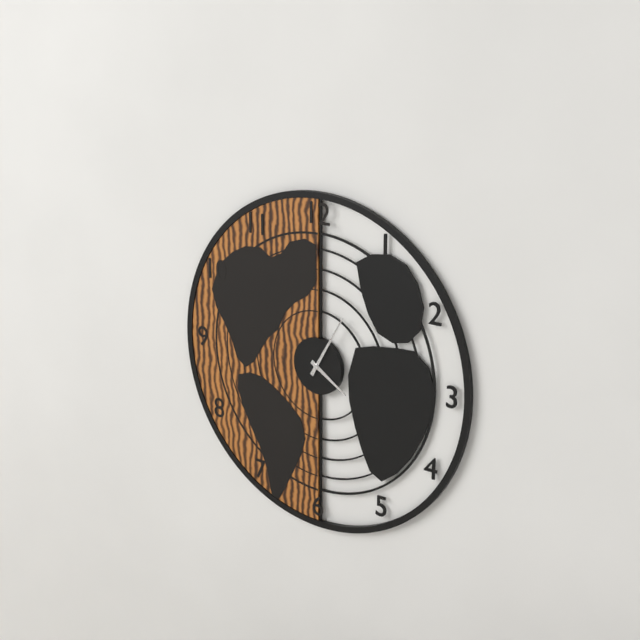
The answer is 4:05
